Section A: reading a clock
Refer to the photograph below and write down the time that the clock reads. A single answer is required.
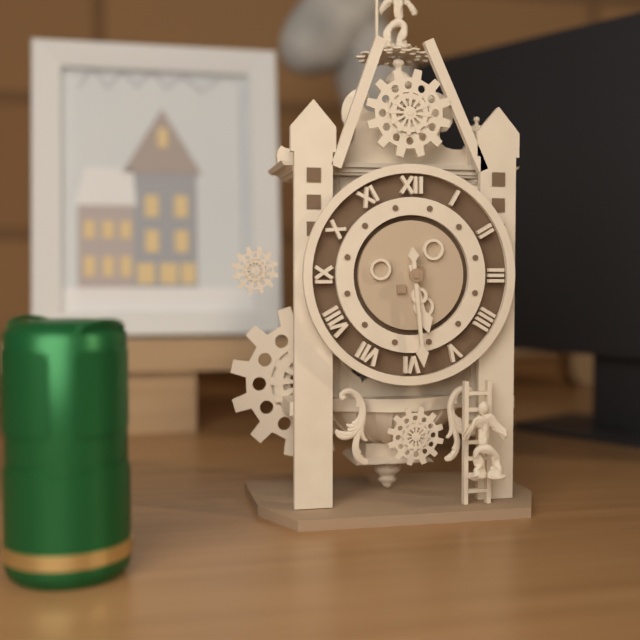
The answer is 5:29
